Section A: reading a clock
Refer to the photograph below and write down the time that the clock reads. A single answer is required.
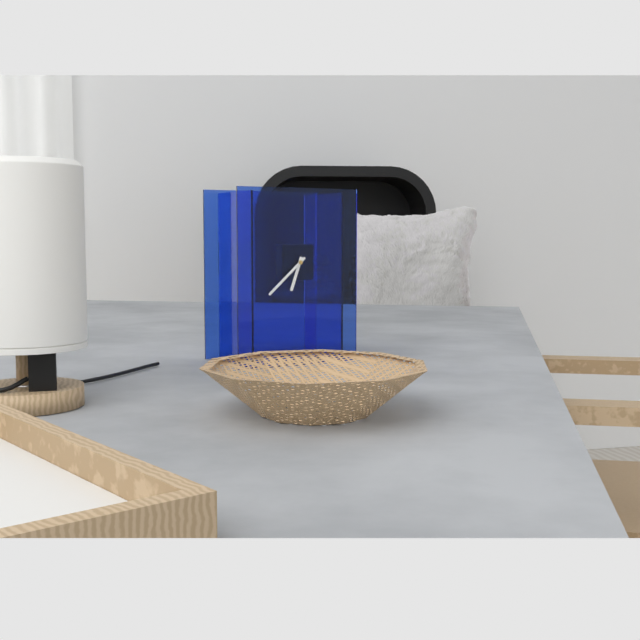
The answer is 6:38
